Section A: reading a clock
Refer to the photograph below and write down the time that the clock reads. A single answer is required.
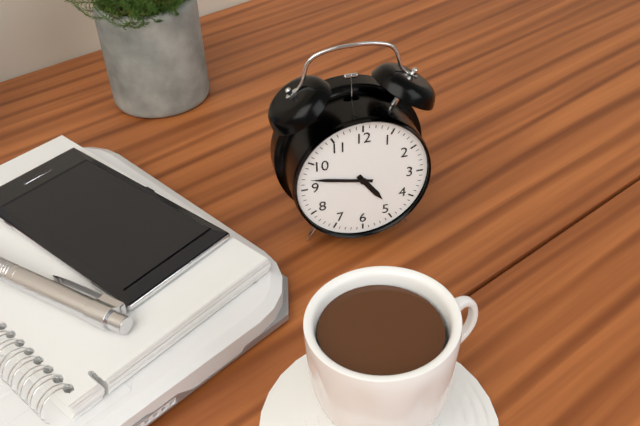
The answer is 4:47
